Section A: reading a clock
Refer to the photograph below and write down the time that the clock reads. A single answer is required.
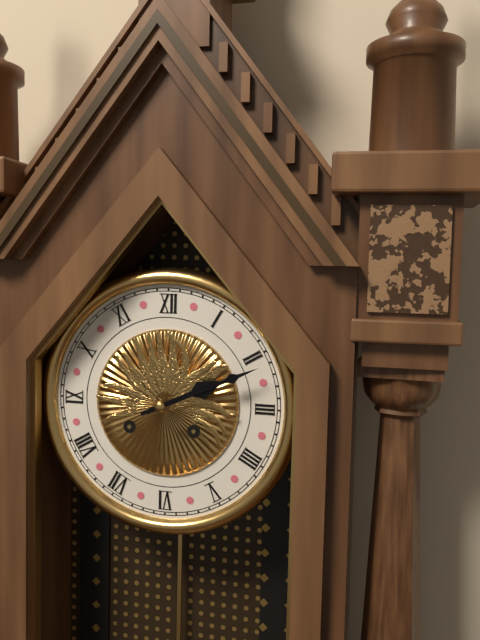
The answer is 2:11
